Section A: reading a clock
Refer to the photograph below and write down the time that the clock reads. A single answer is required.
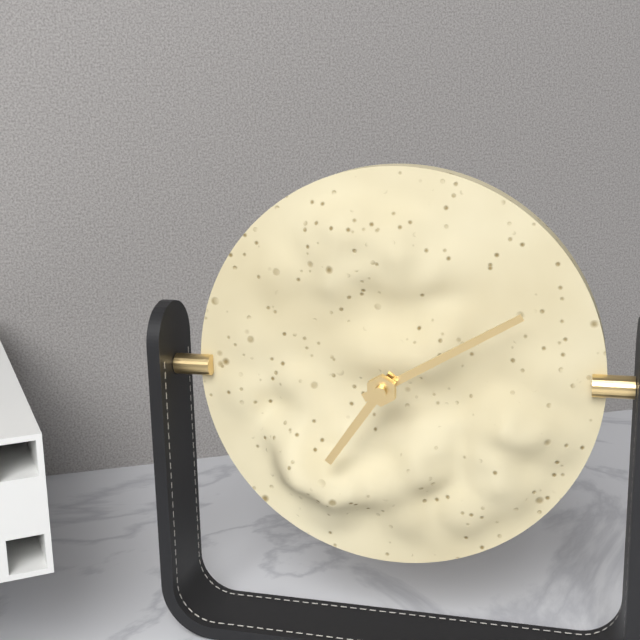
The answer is 7:10
